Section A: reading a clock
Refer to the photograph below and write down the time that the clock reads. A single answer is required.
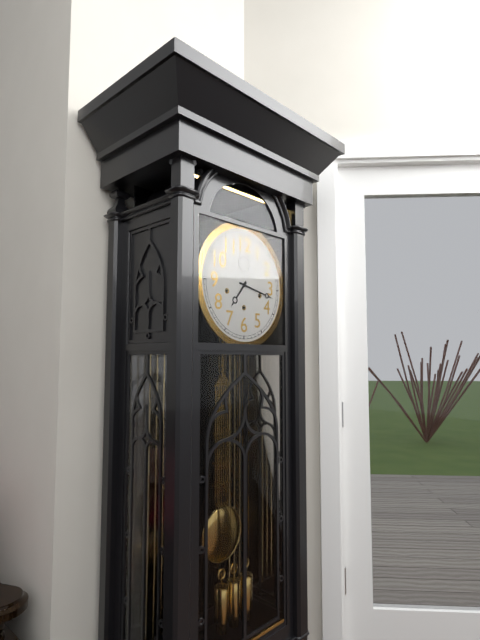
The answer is 7:17
